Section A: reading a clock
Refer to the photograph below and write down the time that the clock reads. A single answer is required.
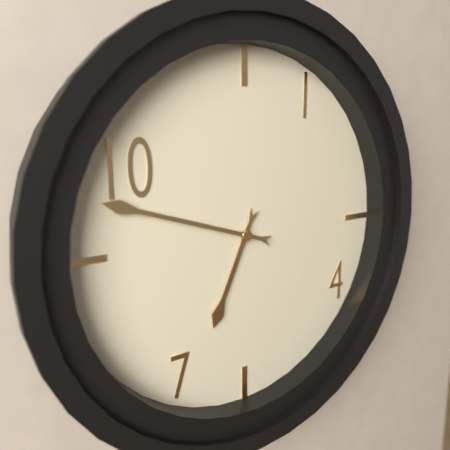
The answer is 6:48
